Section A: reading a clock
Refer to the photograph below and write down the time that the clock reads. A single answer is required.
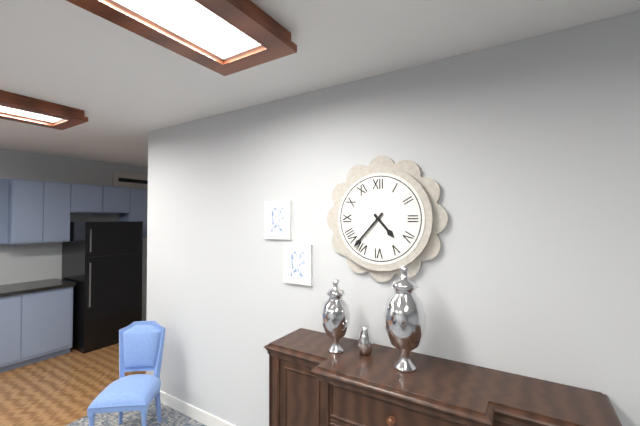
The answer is 4:37
